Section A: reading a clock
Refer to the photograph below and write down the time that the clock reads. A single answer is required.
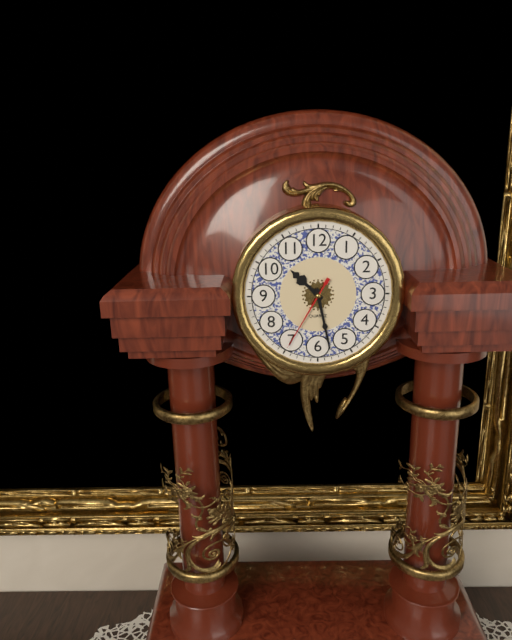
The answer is 10:28:35
